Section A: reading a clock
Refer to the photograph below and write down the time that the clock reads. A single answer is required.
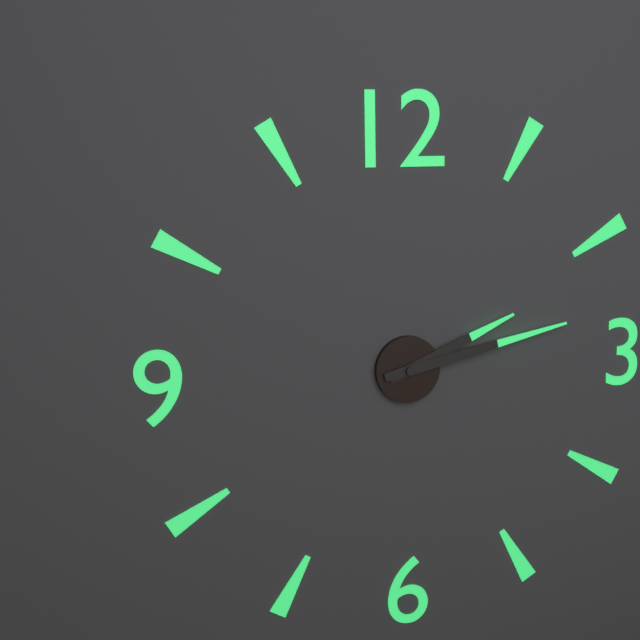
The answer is 2:13
